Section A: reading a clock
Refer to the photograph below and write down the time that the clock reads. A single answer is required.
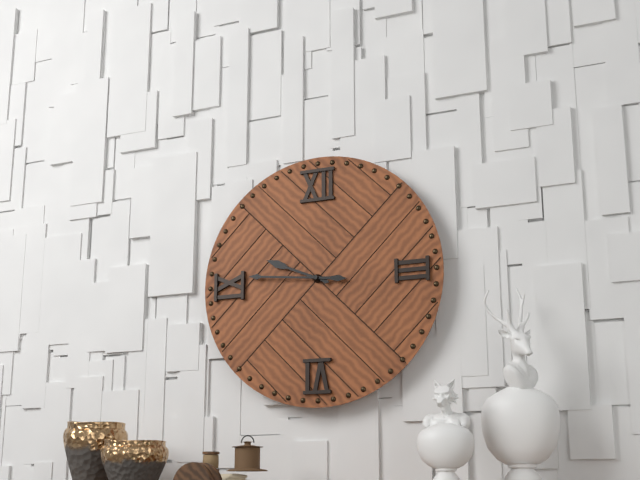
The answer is 9:46
